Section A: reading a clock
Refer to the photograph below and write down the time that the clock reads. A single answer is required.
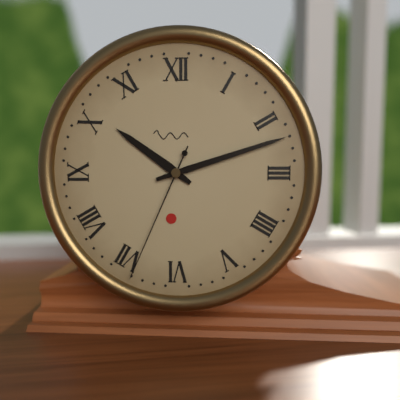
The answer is 10:12:34
